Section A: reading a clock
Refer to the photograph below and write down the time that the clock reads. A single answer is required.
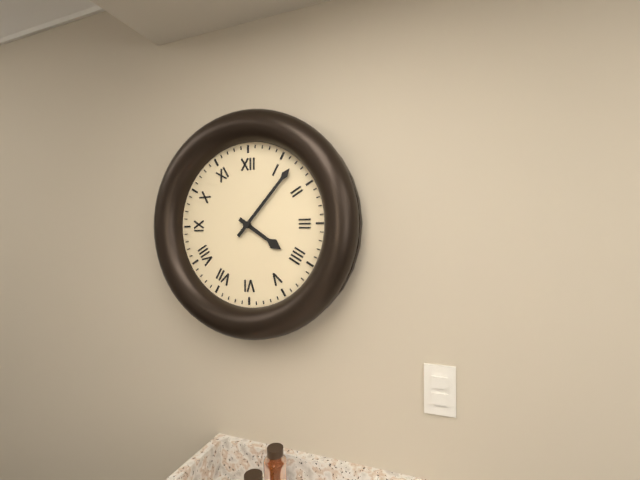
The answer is 4:07
